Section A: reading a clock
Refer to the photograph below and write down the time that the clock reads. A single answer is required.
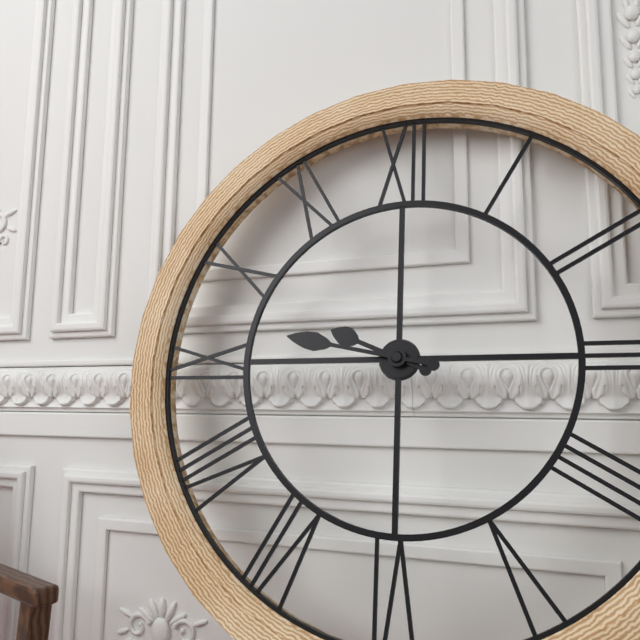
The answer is 9:47
